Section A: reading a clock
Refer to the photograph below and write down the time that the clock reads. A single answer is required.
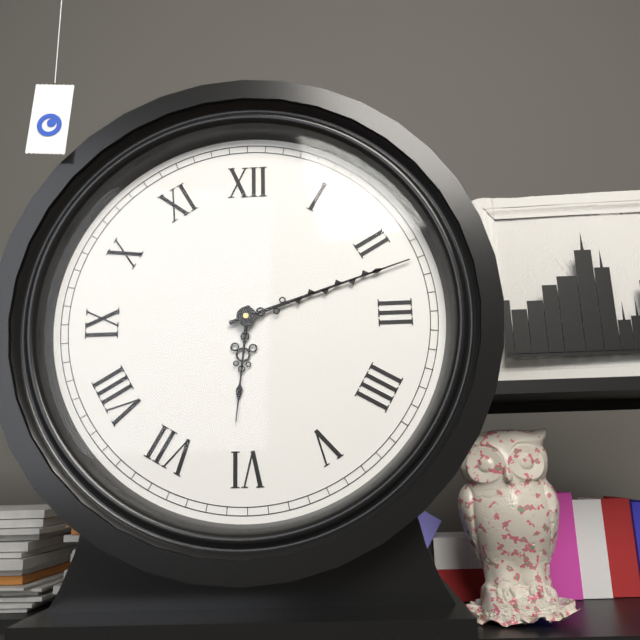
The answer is 6:12
